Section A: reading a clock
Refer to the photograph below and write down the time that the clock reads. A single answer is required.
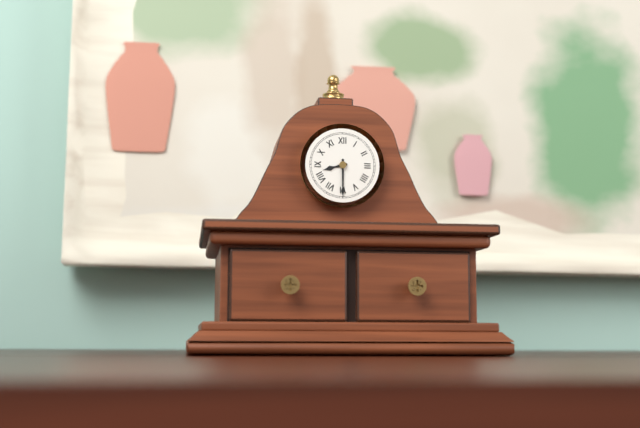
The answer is 8:30
